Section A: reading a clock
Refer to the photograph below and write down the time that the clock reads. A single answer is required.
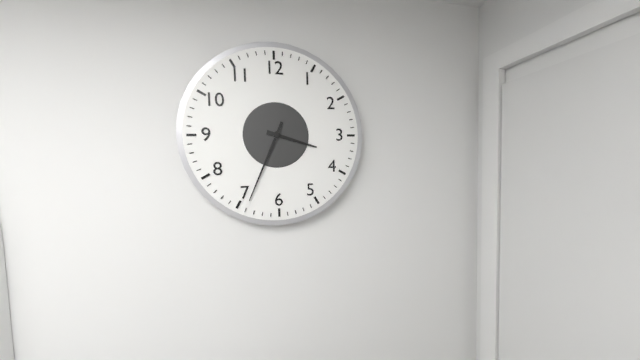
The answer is 3:34
